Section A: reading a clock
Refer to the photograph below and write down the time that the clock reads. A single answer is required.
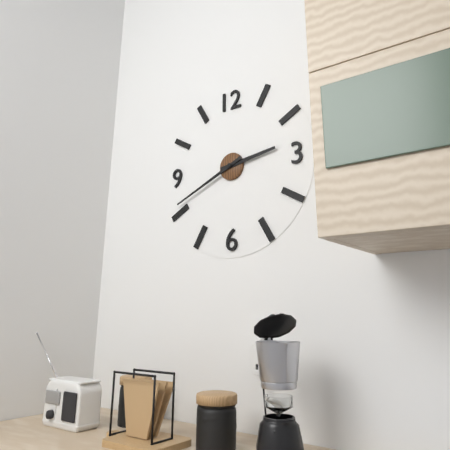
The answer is 2:41
